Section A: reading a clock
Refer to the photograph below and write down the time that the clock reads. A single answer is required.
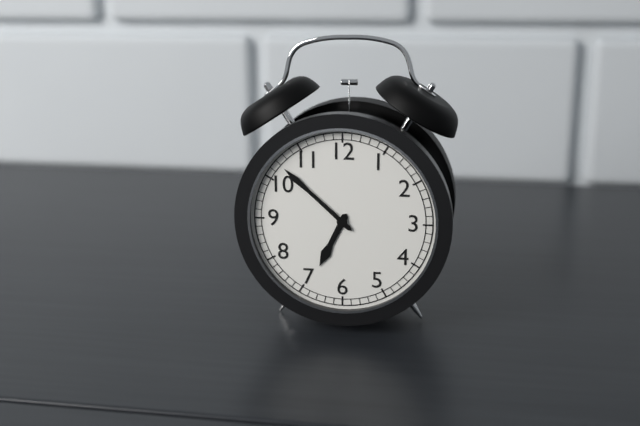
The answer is 6:52
